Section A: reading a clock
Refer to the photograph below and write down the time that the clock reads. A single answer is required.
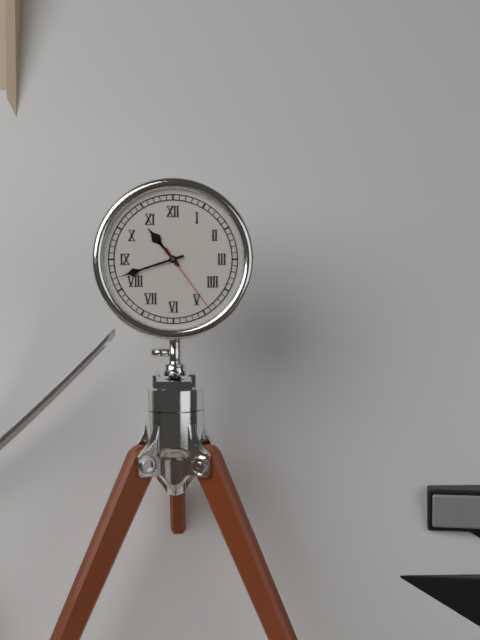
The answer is 10:42:24
